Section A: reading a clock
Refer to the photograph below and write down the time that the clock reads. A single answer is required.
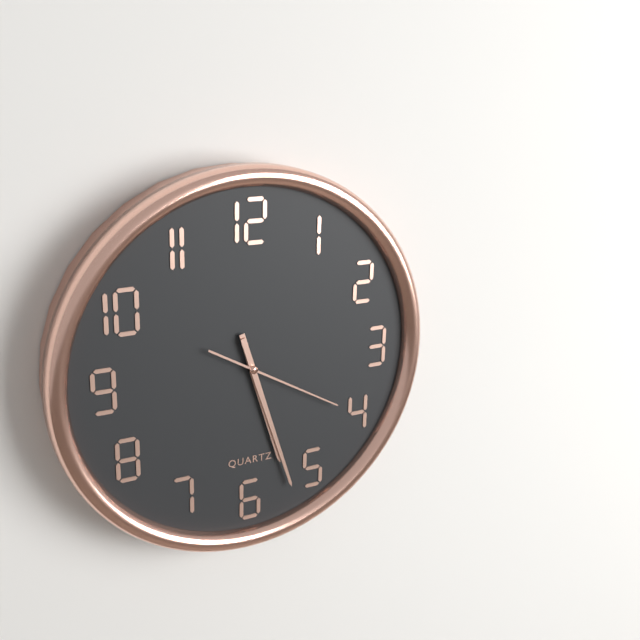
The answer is 5:27:20
